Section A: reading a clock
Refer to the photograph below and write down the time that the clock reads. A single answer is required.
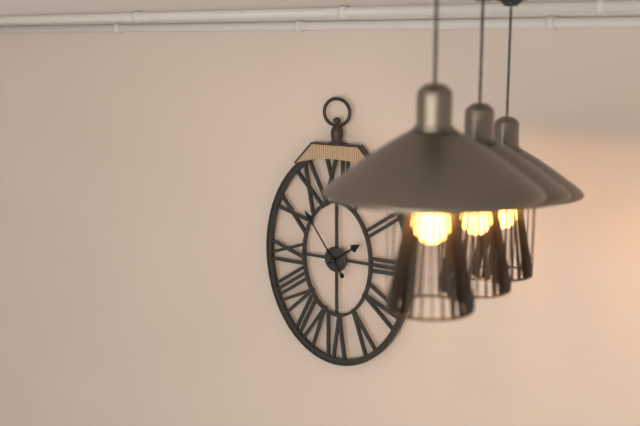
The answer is 1:54
